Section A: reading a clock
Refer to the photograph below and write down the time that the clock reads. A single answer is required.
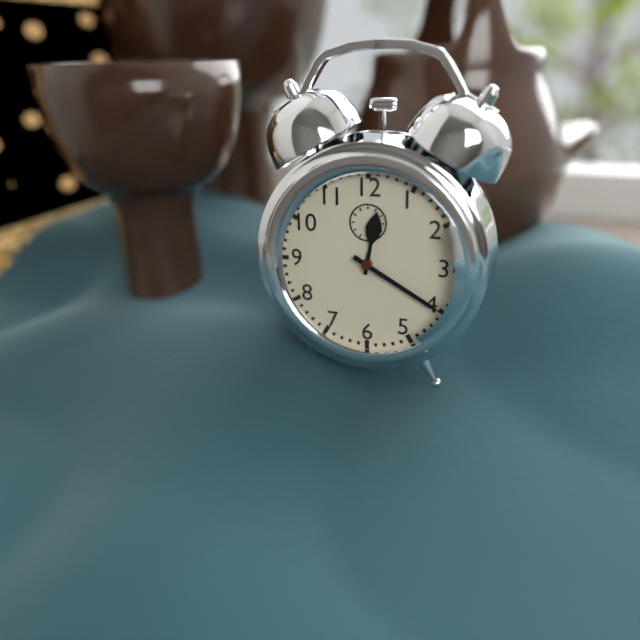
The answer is 12:20
